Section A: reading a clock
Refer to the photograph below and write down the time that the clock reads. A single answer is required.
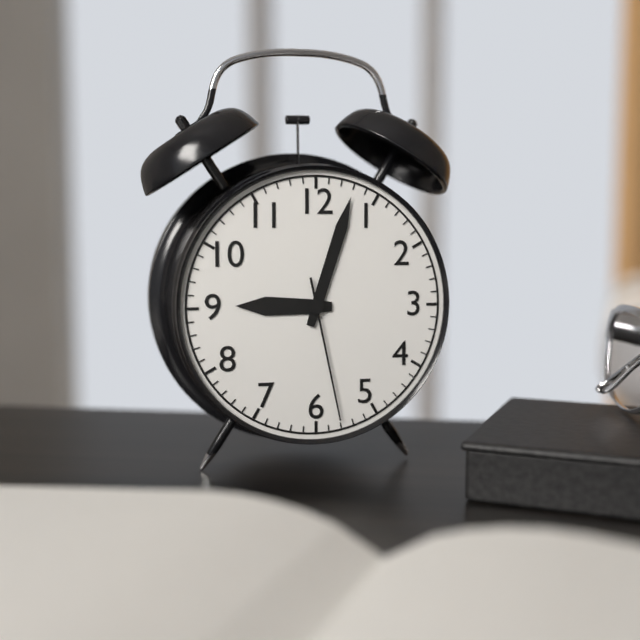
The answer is 9:03:28
